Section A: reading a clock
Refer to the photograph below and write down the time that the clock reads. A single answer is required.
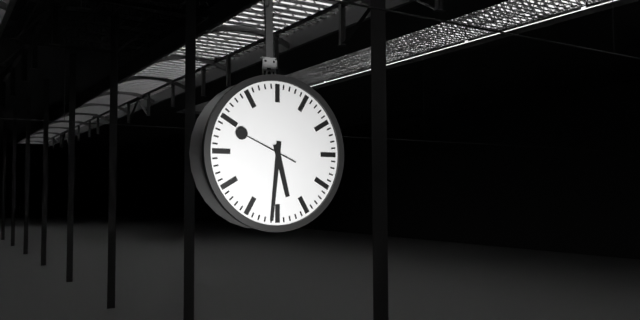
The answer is 5:31:49
